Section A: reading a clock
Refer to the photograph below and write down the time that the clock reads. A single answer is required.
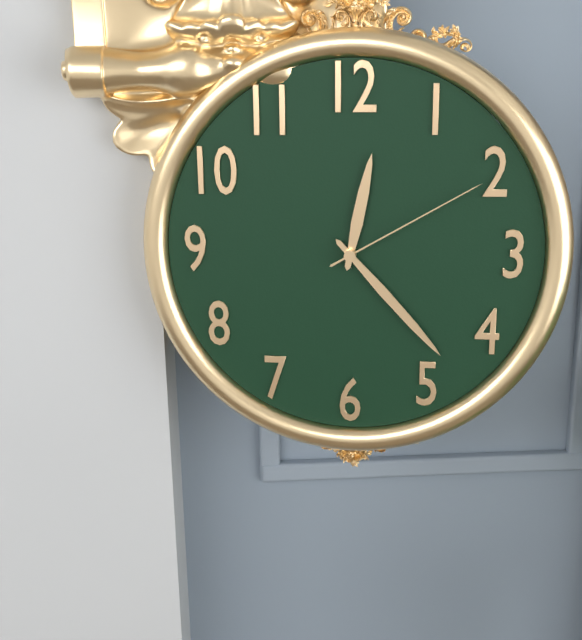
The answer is 12:23:10
